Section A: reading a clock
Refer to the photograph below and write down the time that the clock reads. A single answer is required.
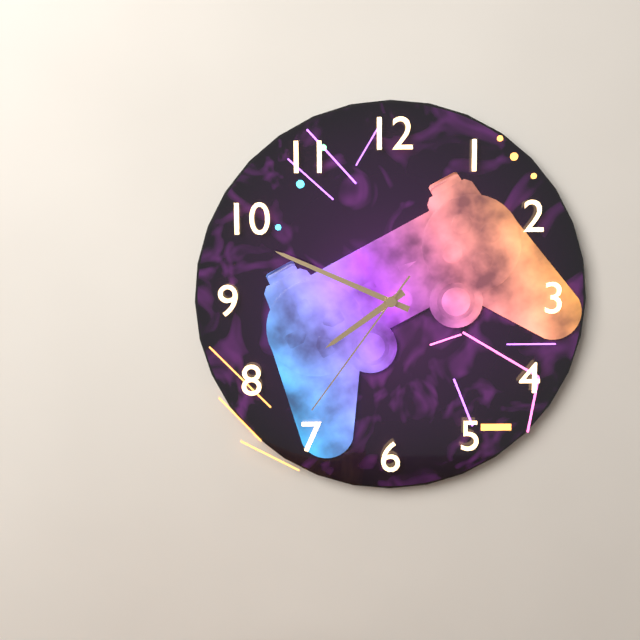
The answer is 7:49:36
